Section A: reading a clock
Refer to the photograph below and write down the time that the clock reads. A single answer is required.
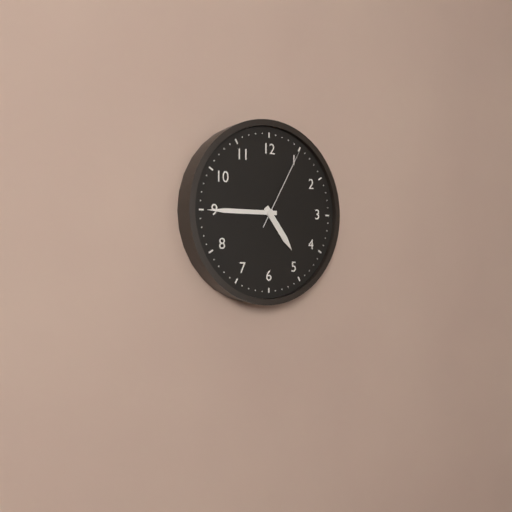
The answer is 4:45:05
